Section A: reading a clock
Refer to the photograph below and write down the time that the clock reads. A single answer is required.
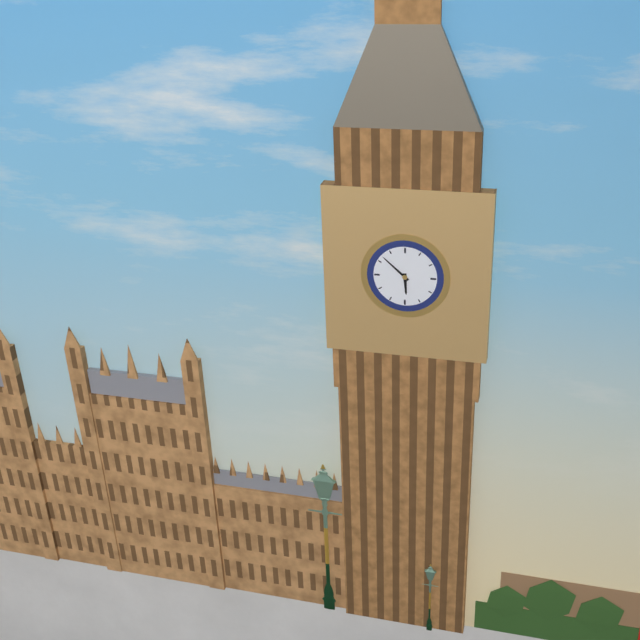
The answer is 5:52
